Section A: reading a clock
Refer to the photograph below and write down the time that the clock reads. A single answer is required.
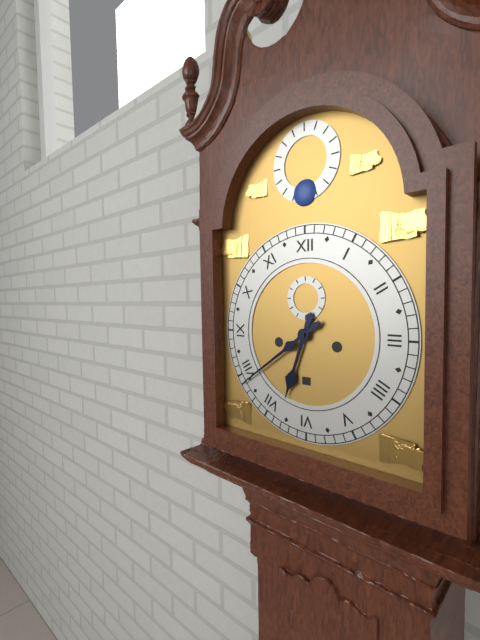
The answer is 6:39
